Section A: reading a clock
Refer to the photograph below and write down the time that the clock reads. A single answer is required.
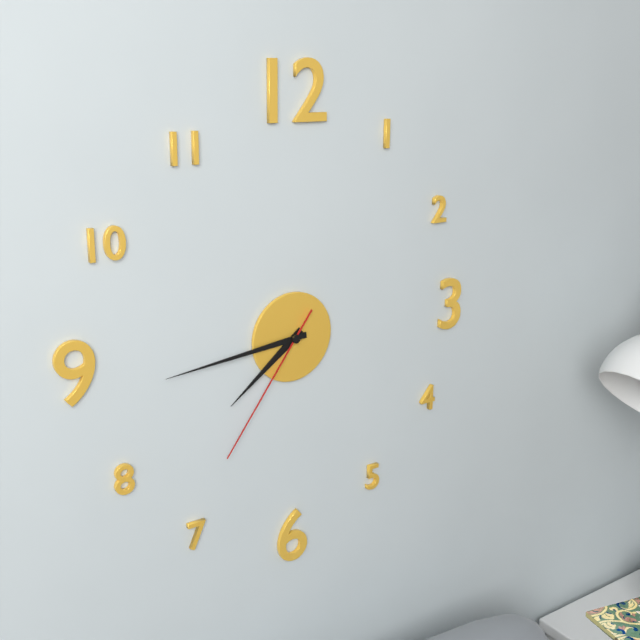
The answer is 7:44:36
